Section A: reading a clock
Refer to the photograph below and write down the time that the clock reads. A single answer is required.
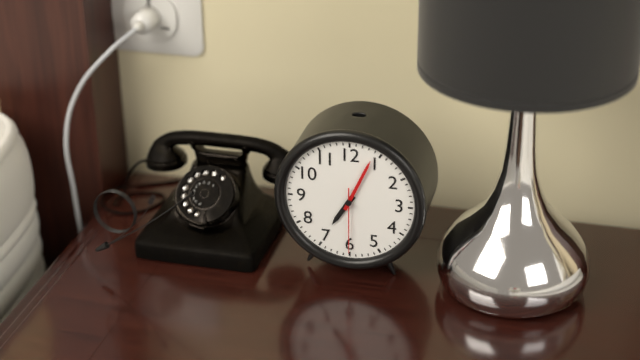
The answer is 7:04:30
